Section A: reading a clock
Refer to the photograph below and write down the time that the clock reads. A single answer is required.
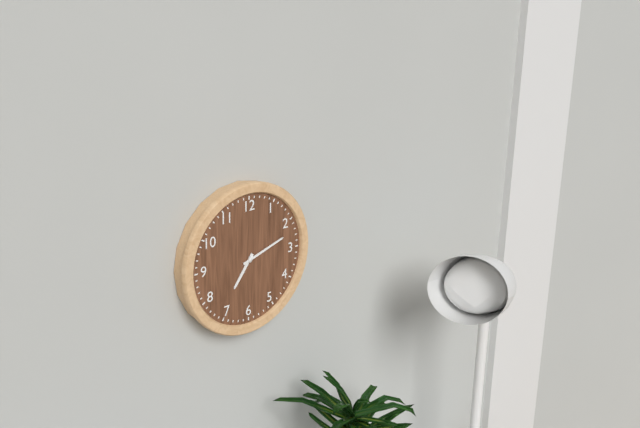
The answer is 7:12
